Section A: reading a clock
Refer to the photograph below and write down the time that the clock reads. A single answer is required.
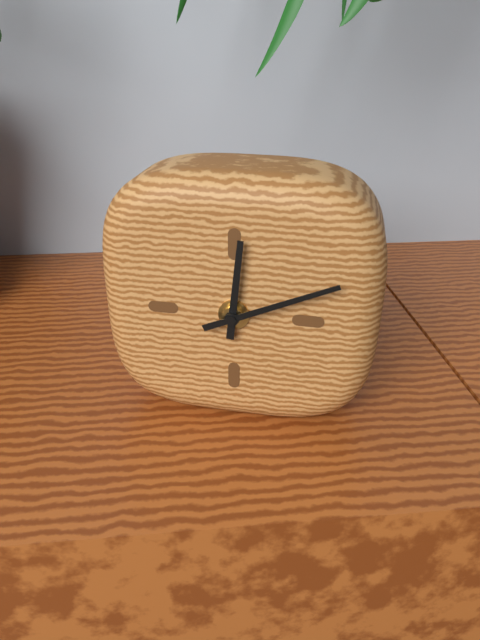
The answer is 12:11
